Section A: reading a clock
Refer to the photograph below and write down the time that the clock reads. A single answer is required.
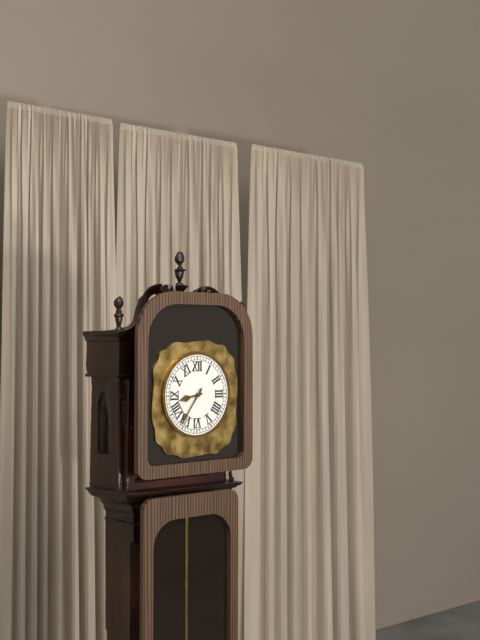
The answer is 8:36
